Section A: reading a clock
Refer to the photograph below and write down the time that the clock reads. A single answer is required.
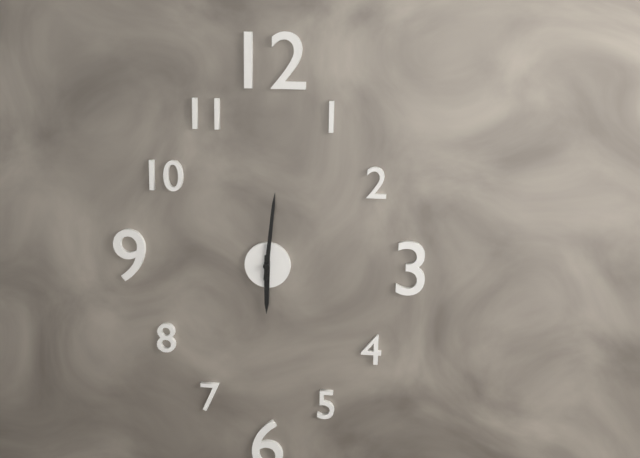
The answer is 6:01
